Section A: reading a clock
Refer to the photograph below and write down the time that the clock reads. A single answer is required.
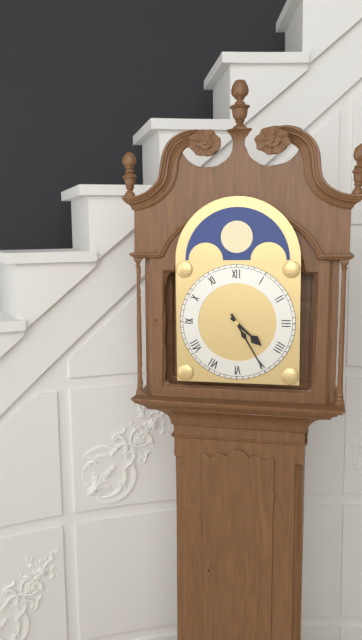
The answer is 4:25
